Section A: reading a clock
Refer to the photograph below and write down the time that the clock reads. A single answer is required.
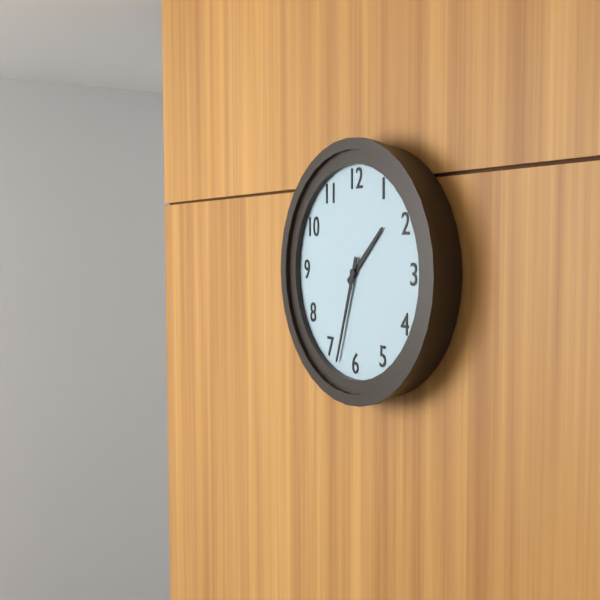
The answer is 1:33
